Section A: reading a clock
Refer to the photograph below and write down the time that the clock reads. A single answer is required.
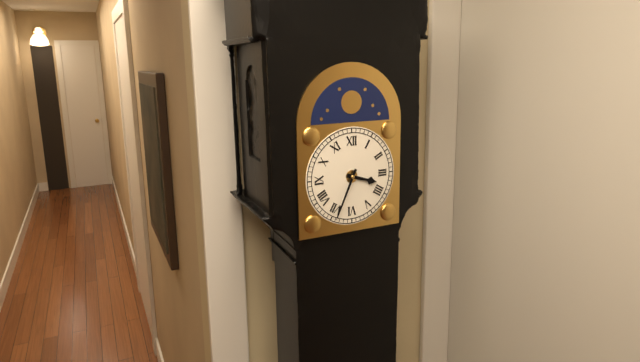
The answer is 3:34
